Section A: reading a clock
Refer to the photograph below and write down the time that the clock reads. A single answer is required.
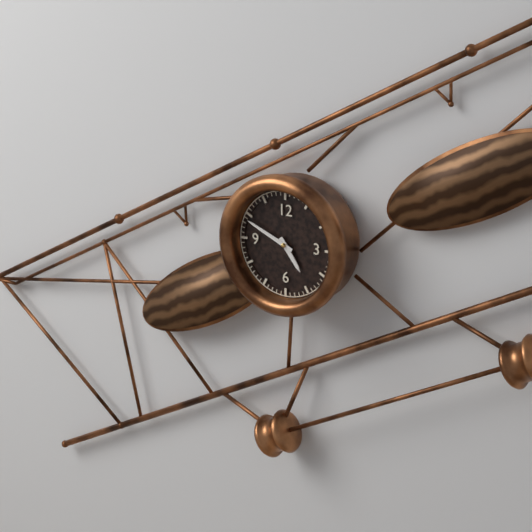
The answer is 4:49
